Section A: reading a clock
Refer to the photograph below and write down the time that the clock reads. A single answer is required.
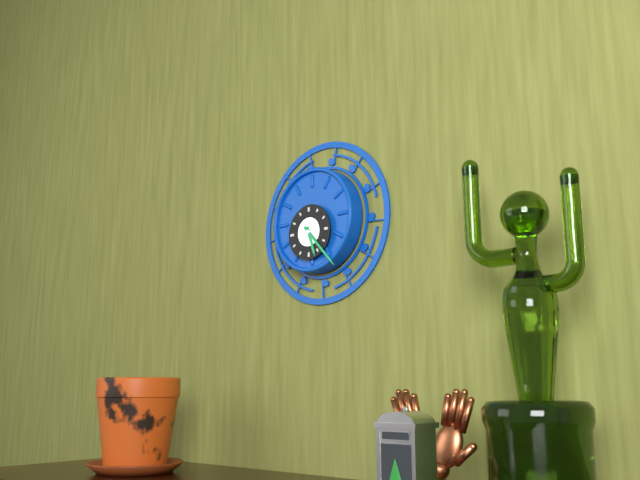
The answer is 5:23
